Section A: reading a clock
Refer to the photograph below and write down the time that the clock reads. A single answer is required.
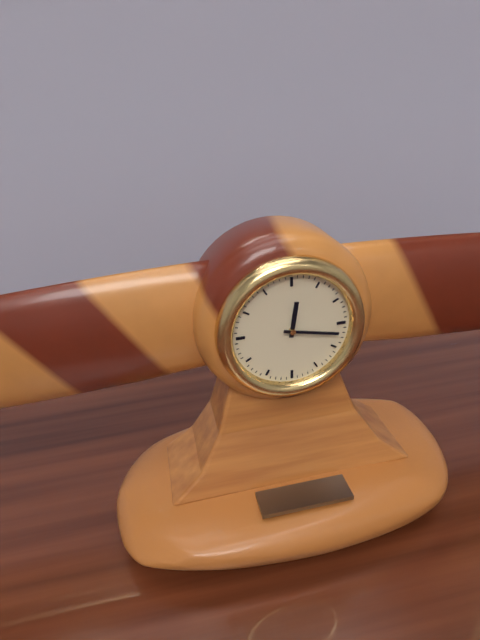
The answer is 12:17
